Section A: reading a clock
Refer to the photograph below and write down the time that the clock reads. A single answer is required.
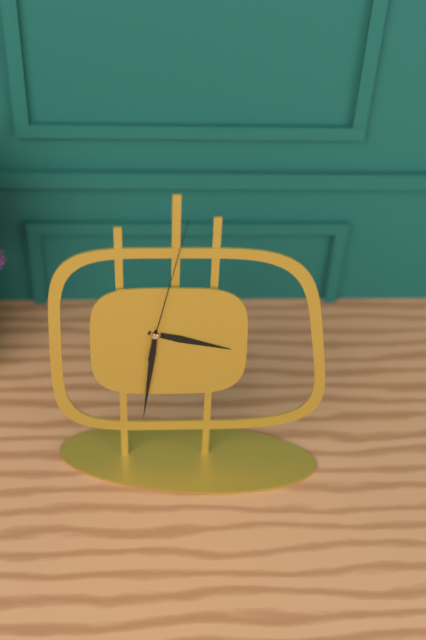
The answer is 3:31:02
